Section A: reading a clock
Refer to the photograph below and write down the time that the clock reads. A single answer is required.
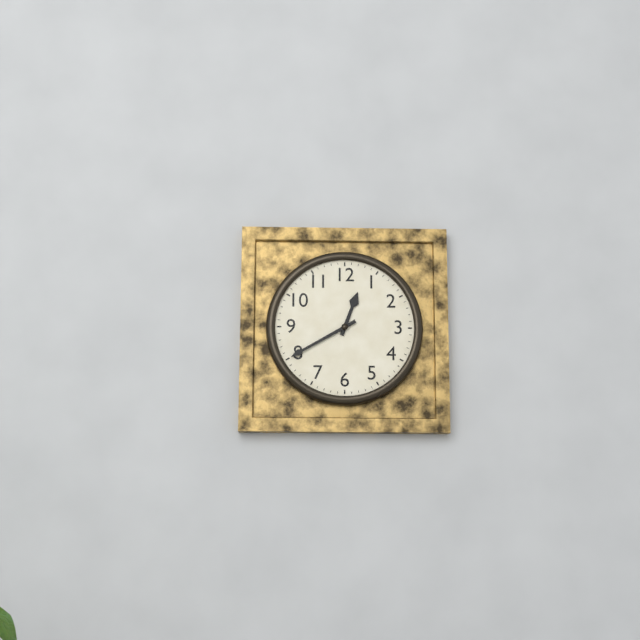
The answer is 12:40
